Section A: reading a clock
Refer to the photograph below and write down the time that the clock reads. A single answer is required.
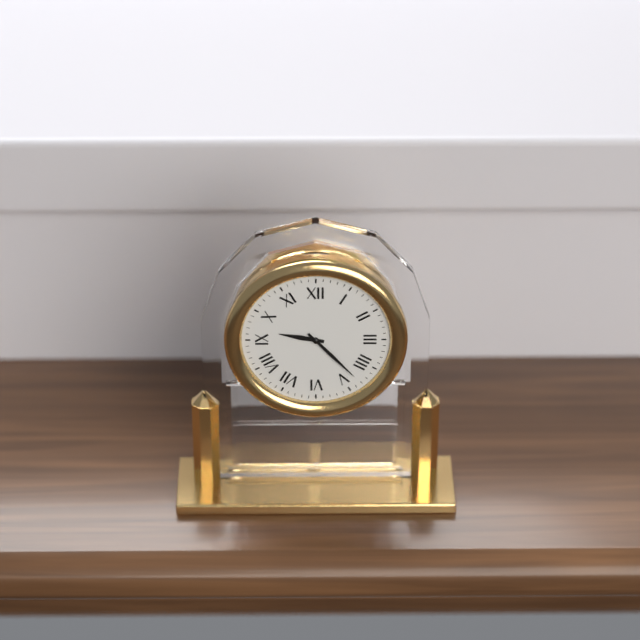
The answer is 9:23
